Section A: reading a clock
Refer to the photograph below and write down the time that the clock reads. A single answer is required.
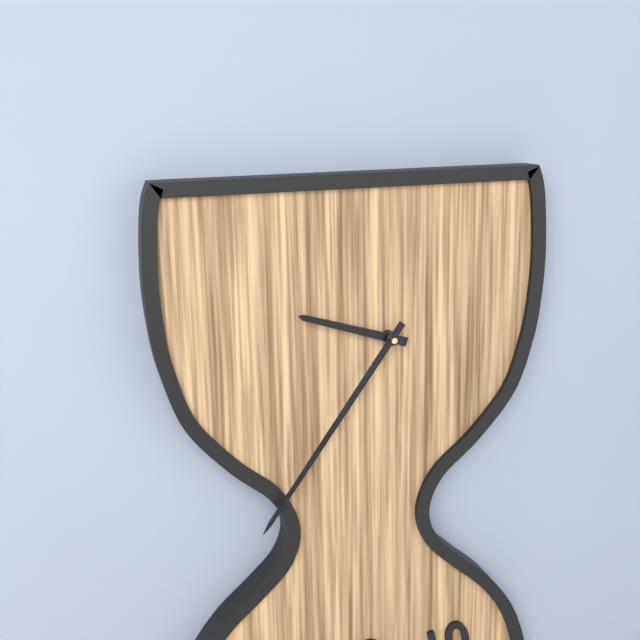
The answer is 9:36
